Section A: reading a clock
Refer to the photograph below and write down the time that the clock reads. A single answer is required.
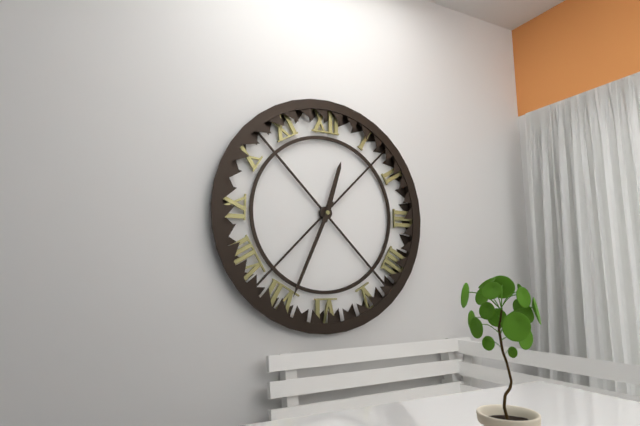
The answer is 12:34
